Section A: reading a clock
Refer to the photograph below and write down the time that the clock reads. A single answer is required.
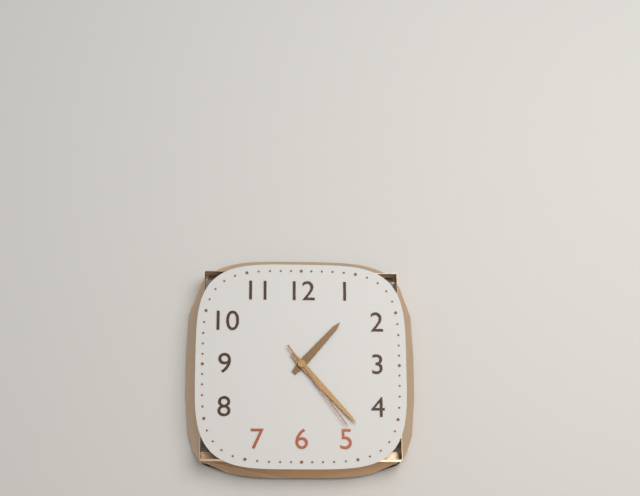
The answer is 1:23:24
